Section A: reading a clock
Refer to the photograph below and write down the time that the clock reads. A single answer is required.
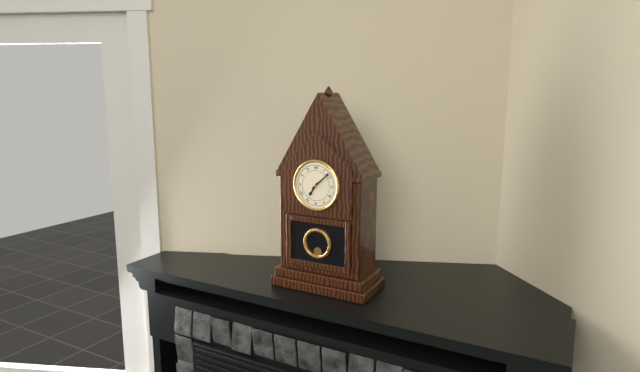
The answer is 7:08
